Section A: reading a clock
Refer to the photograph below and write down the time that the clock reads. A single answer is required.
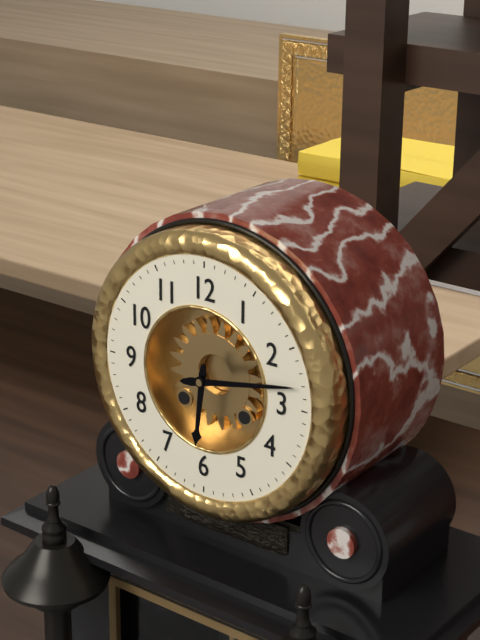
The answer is 6:13
